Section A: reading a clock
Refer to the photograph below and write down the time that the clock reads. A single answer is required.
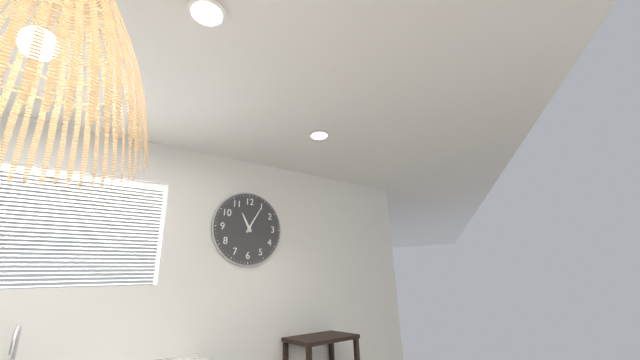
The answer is 11:05
